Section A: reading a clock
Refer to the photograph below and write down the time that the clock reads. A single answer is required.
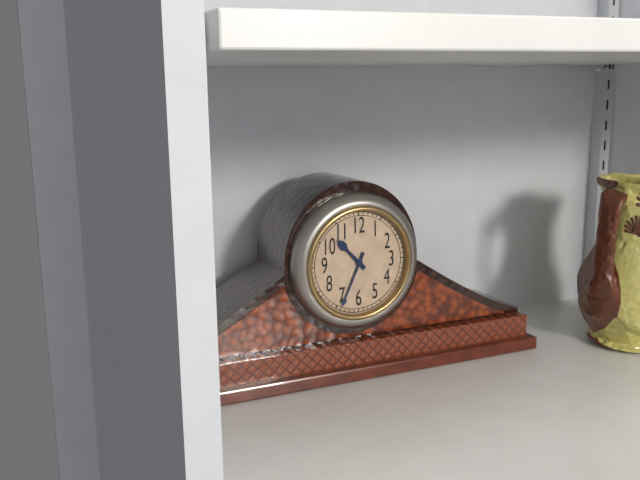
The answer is 10:34
